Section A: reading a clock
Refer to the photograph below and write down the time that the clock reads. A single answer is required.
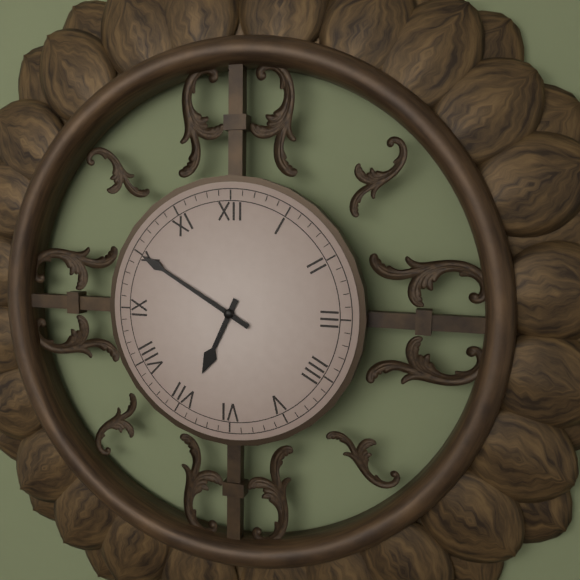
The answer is 6:50
